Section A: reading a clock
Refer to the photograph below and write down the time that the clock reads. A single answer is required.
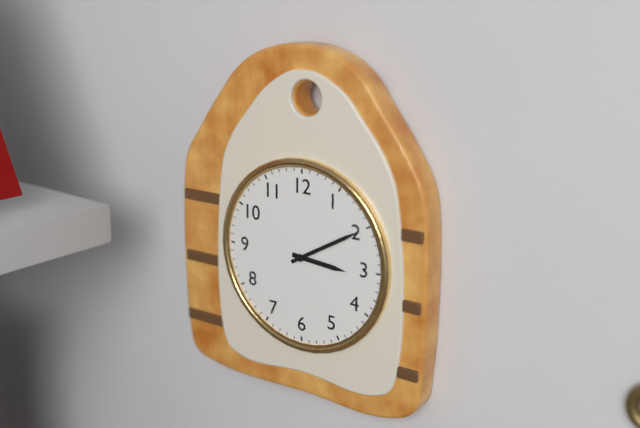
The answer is 3:10
